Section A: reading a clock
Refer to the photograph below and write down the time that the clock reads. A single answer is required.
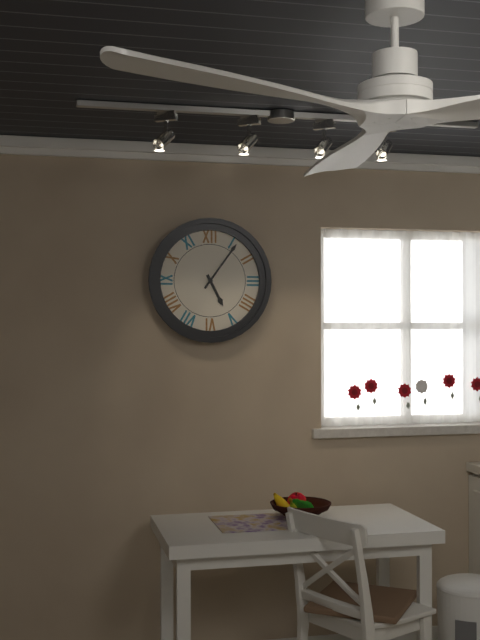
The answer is 5:06
